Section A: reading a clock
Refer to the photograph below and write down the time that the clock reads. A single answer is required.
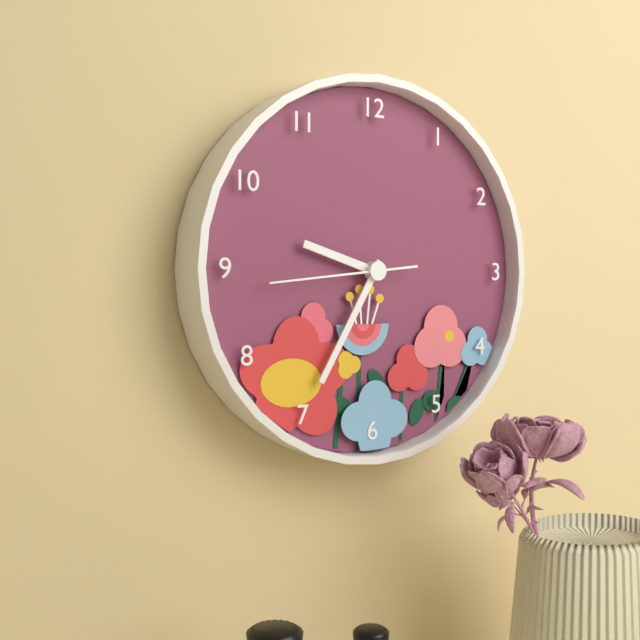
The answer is 9:35:44
